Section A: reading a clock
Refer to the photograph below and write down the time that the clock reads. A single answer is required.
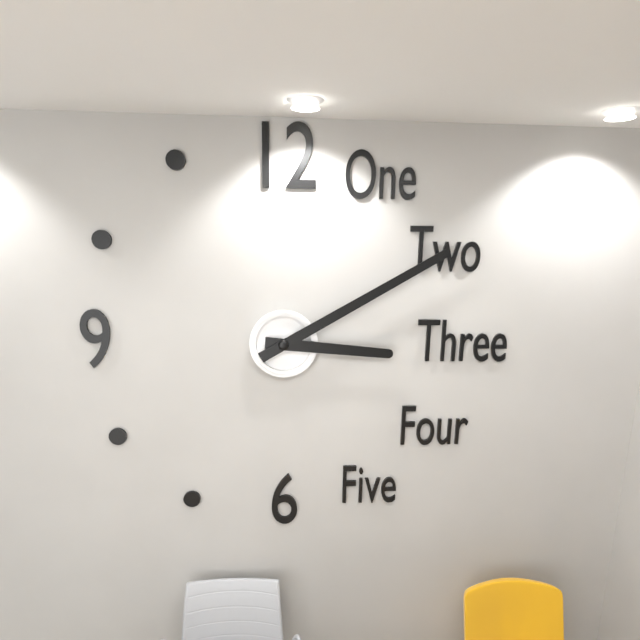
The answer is 3:10
